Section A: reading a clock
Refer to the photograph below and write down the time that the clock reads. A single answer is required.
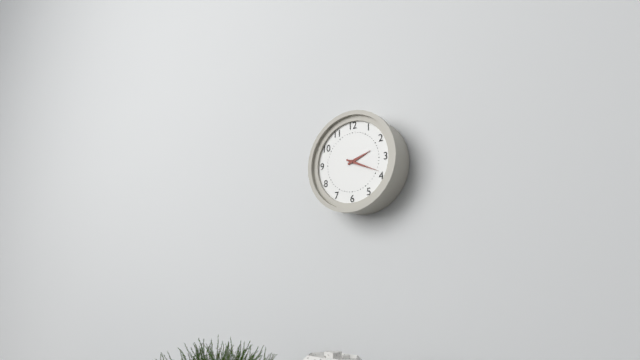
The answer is 2:19
